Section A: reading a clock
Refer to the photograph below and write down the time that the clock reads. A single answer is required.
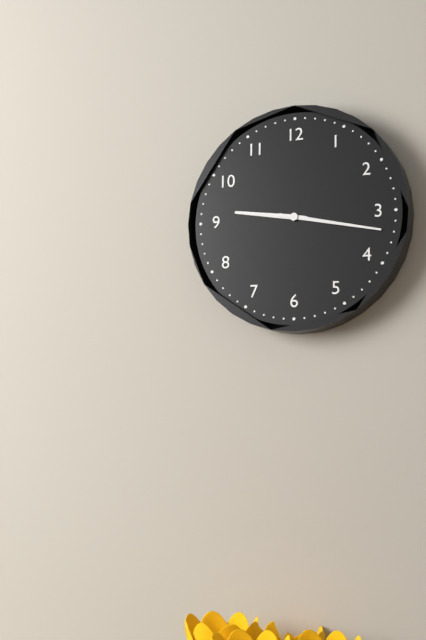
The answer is 9:17
